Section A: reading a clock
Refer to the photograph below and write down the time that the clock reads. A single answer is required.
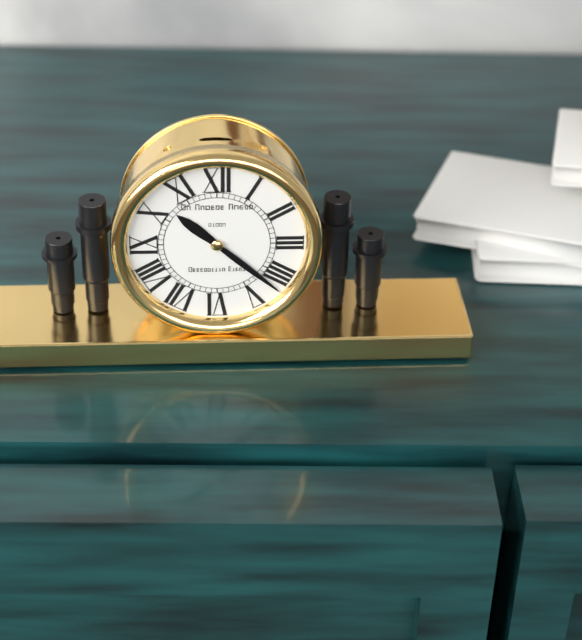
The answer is 10:22
